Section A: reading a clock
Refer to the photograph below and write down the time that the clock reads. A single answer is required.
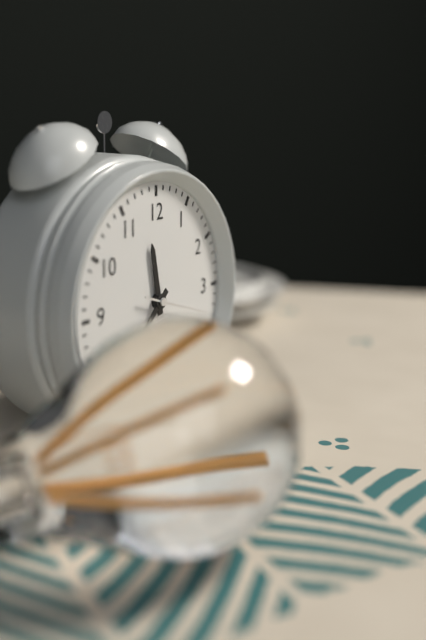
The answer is 11:38:18
